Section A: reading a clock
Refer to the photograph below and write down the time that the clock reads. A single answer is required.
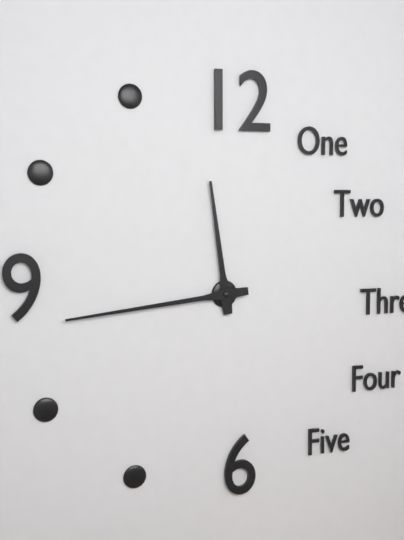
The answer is 11:44
